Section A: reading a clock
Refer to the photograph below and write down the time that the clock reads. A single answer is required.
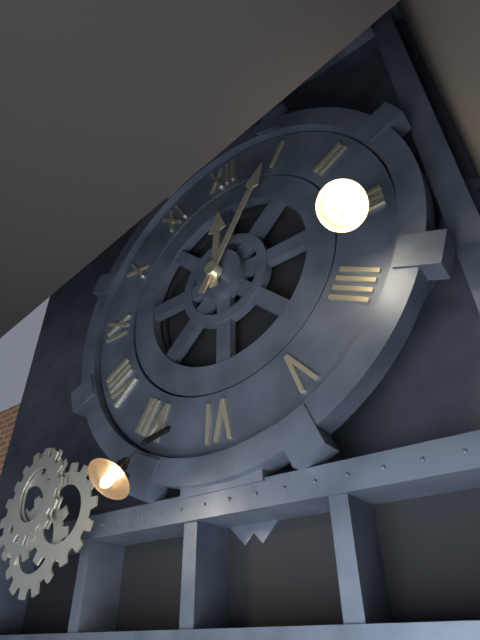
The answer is 12:05
